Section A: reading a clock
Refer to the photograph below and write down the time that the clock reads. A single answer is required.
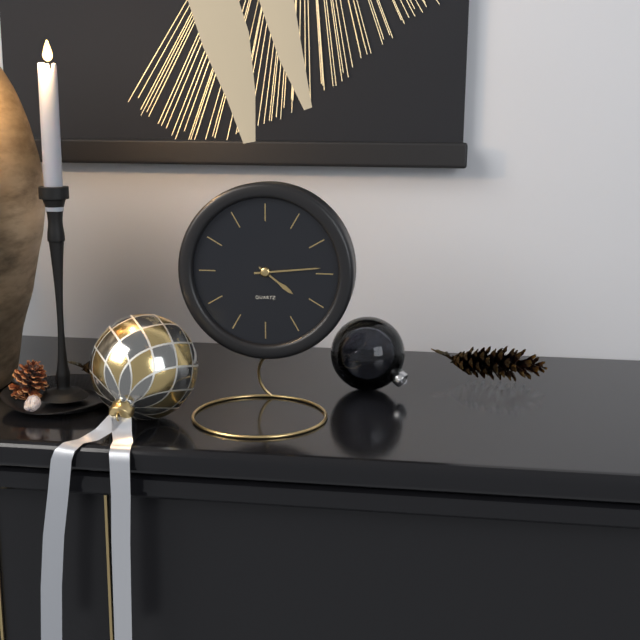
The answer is 4:14
